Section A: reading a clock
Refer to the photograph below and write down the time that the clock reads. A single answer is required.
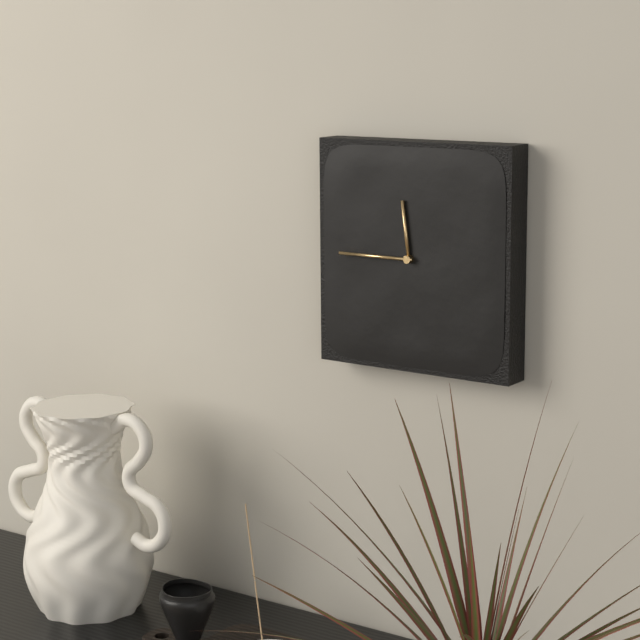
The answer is 11:45
